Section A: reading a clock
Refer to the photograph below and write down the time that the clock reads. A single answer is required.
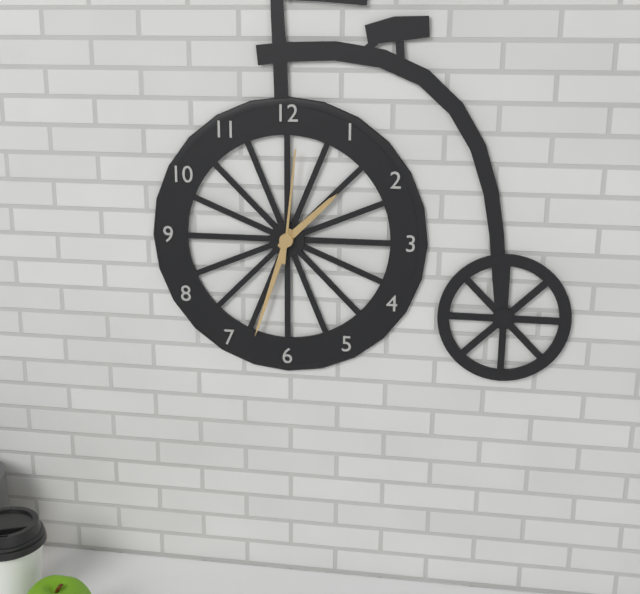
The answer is 1:33:01
